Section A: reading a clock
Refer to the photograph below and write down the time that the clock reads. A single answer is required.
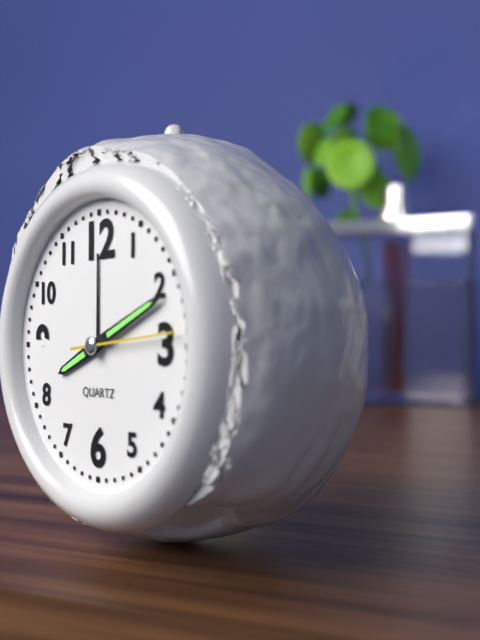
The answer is 8:11
